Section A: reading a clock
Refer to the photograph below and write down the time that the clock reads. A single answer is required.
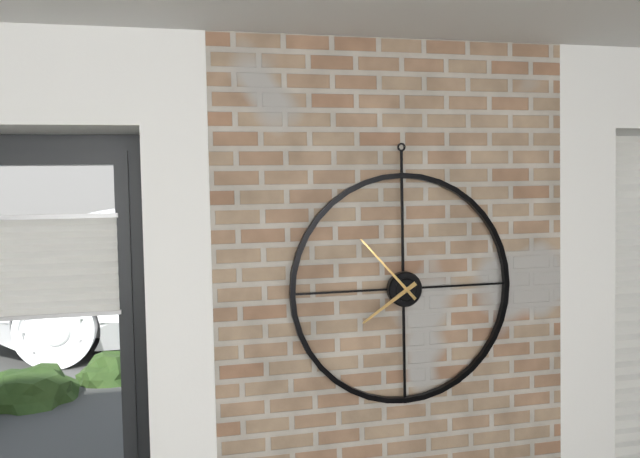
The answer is 7:53
